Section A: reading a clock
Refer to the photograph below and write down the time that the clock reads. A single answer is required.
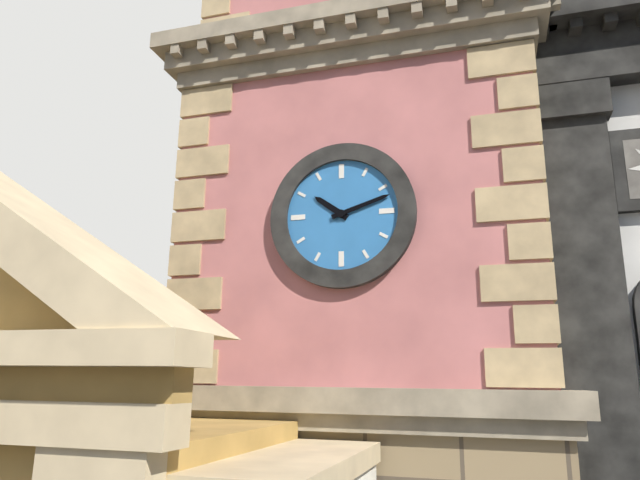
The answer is 10:12
